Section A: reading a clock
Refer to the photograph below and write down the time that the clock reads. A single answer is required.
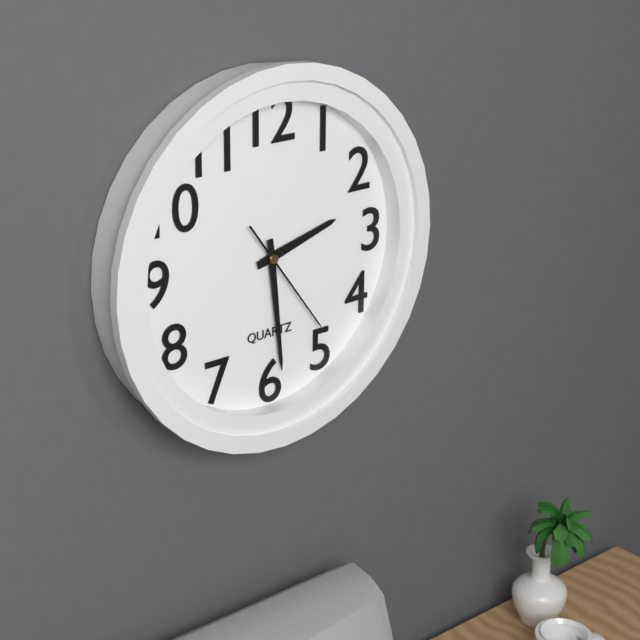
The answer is 2:29:24
